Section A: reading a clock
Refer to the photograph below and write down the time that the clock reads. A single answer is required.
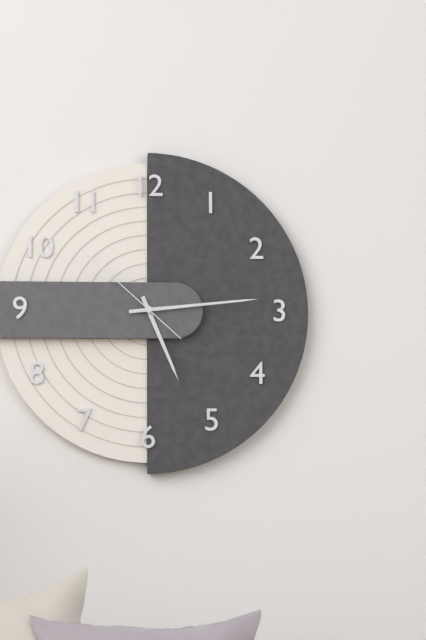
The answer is 5:14:52
